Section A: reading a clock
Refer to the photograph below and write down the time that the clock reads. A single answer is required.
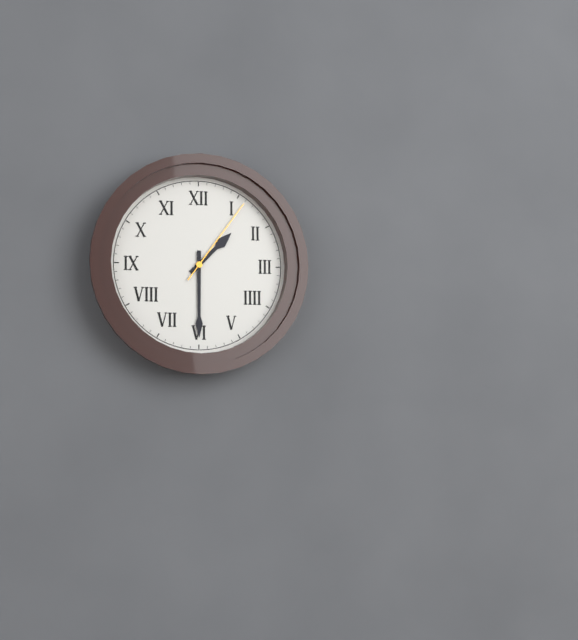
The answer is 1:30:06
